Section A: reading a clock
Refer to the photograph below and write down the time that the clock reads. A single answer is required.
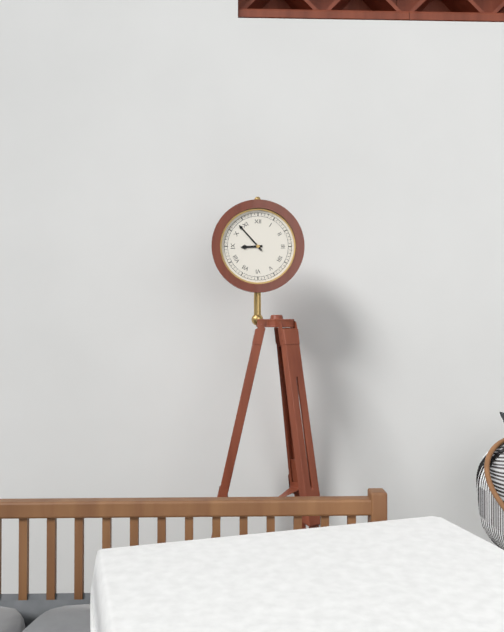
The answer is 8:53
